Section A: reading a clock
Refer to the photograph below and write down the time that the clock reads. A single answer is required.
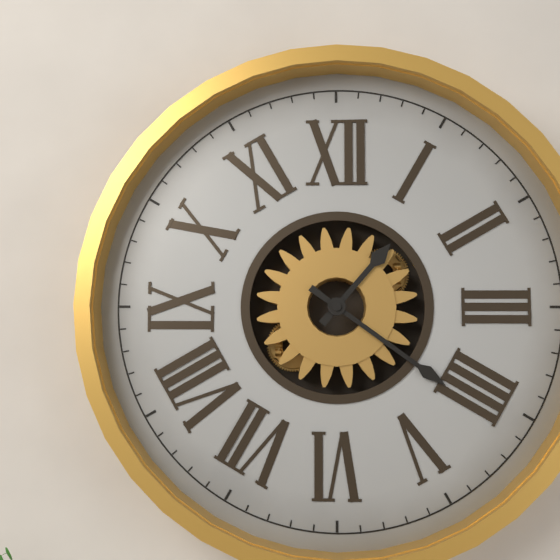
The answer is 1:21
